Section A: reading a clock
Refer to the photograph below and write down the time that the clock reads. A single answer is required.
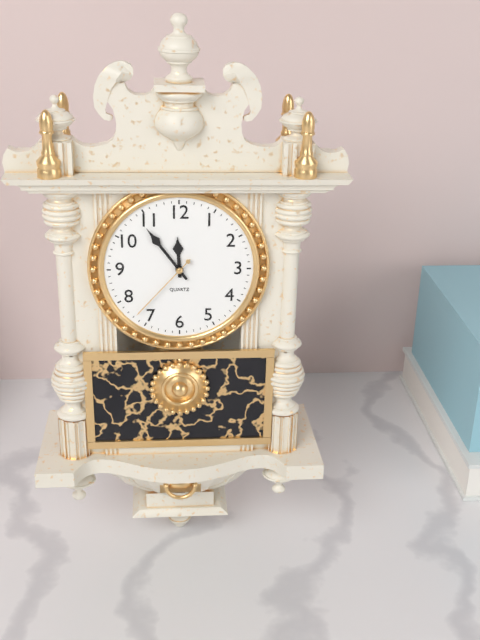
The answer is 11:54:37
